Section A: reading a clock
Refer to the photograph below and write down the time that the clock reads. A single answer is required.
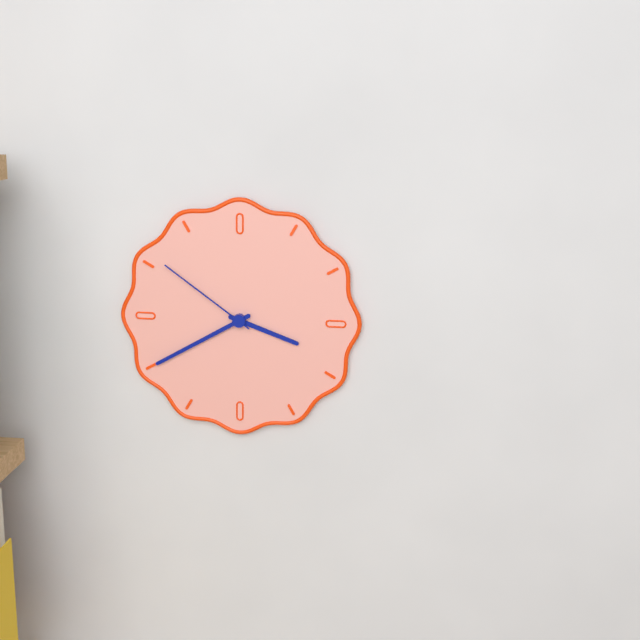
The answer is 3:40:51
